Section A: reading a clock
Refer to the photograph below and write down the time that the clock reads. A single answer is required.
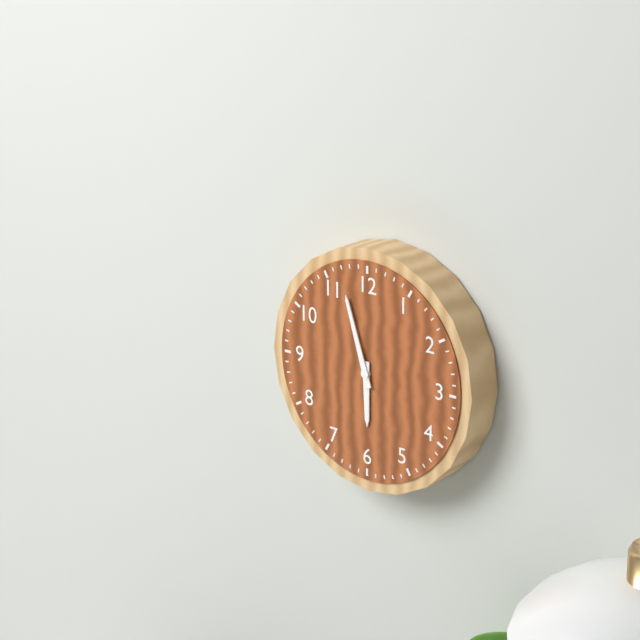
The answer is 5:57
